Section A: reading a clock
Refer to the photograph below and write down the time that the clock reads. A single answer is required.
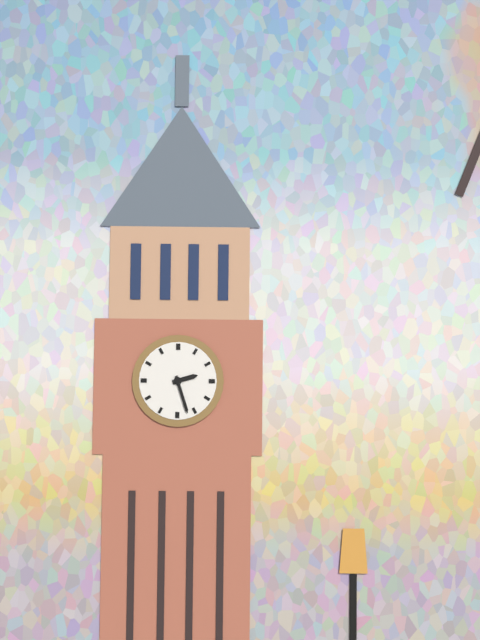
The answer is 2:27
